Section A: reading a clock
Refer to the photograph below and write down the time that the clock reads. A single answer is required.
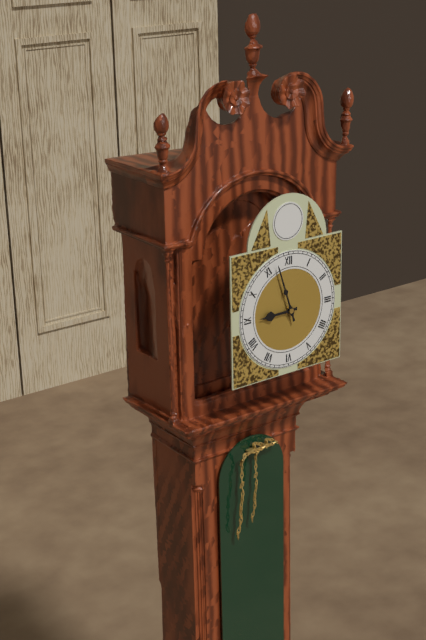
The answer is 8:57
